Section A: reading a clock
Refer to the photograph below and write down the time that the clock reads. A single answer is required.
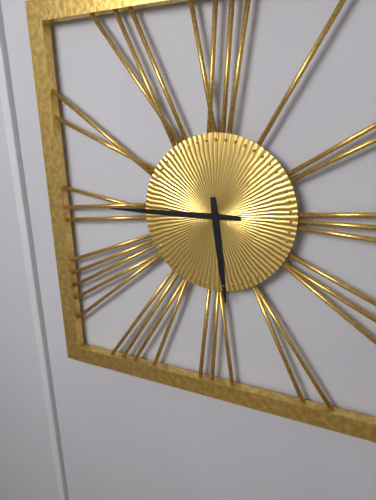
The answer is 5:45
